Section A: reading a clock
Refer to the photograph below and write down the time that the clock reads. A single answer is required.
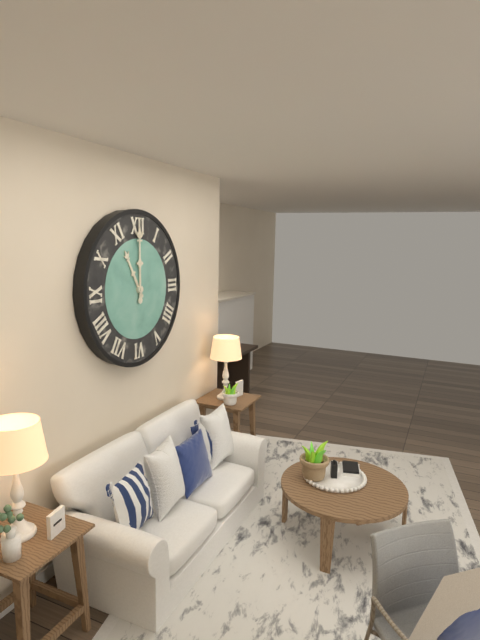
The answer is 11:00
